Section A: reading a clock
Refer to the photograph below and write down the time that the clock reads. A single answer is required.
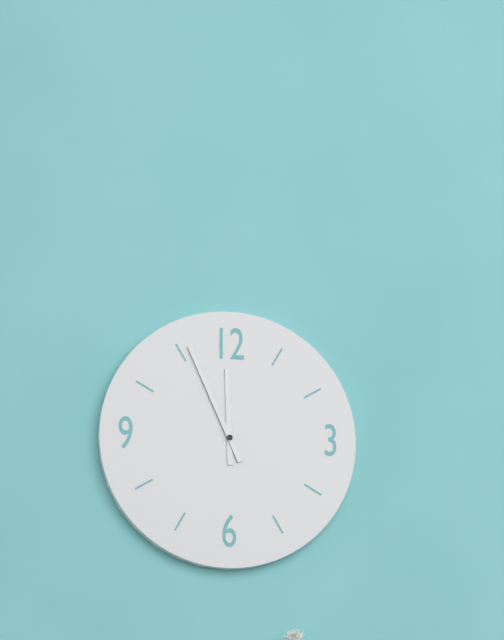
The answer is 11:56
